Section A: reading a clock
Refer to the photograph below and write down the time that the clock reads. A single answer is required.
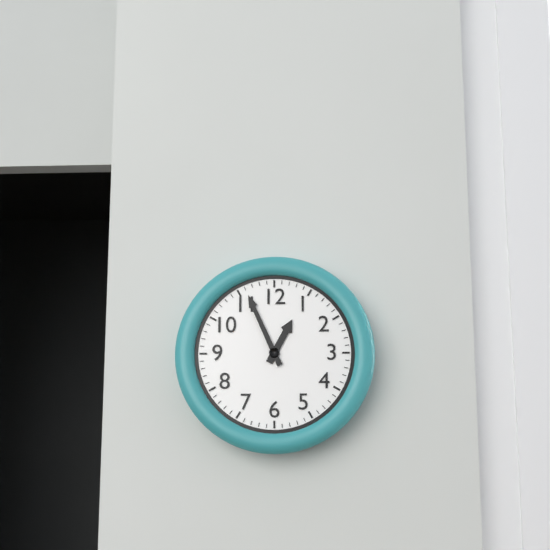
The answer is 12:56
